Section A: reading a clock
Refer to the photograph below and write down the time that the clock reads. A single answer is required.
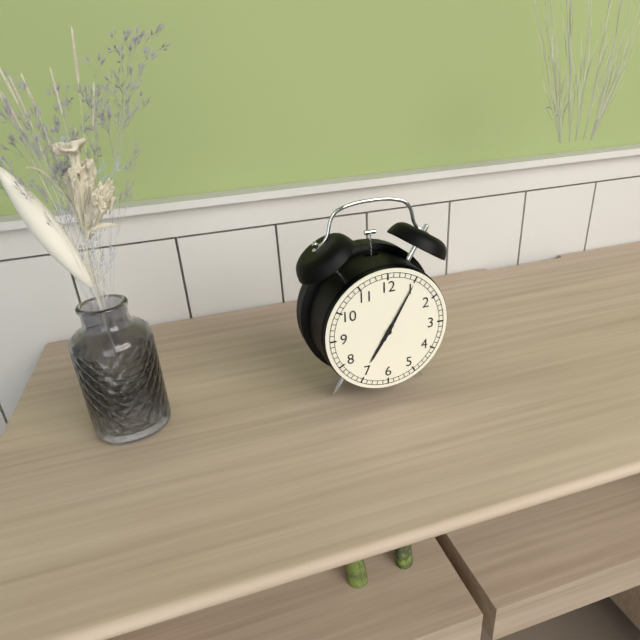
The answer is 7:05
